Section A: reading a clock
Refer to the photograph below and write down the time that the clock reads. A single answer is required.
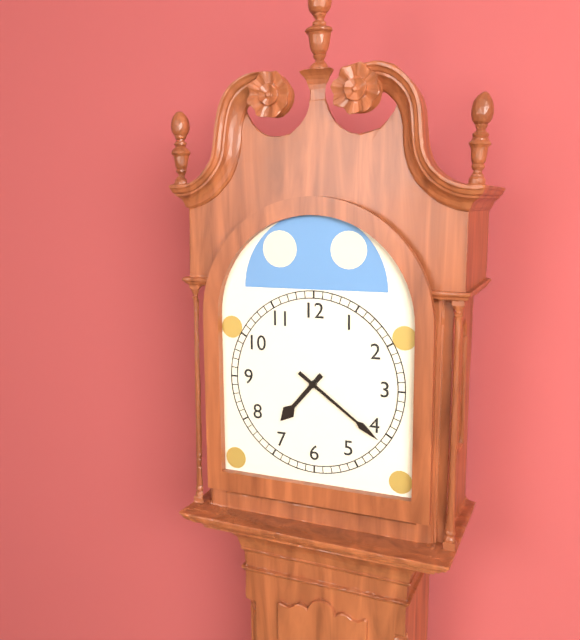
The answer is 7:21
